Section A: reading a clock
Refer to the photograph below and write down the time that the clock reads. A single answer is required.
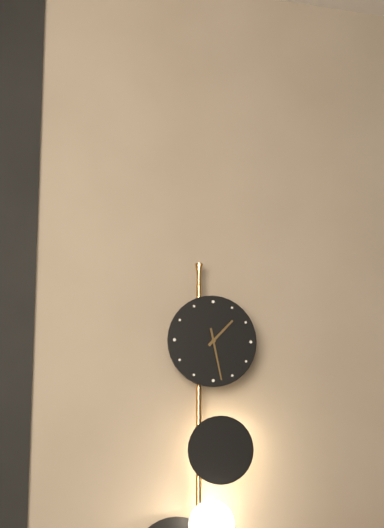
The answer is 1:28
